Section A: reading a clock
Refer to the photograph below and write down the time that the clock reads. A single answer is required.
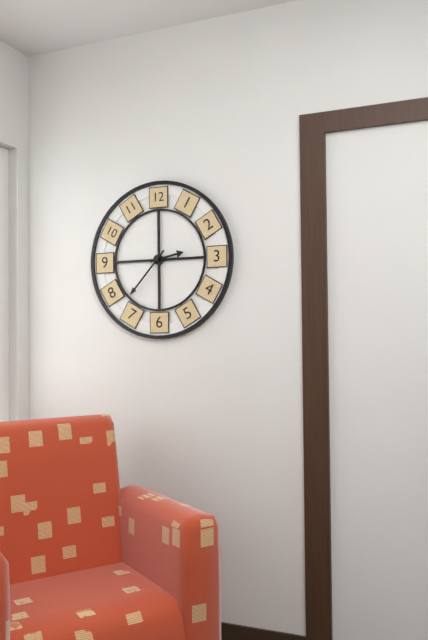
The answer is 2:37
